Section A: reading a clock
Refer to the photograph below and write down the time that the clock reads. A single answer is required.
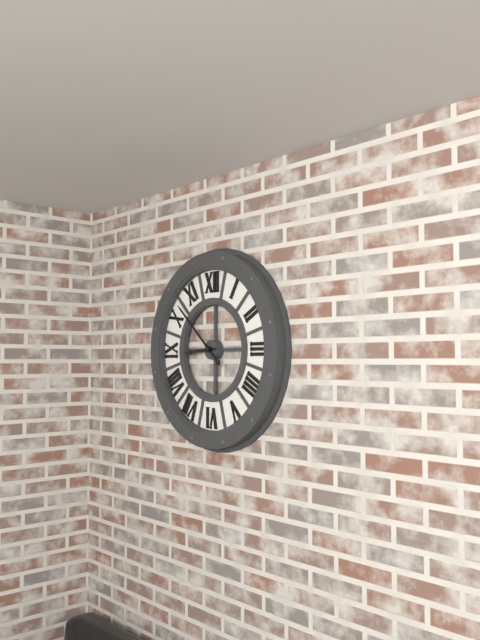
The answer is 8:52
